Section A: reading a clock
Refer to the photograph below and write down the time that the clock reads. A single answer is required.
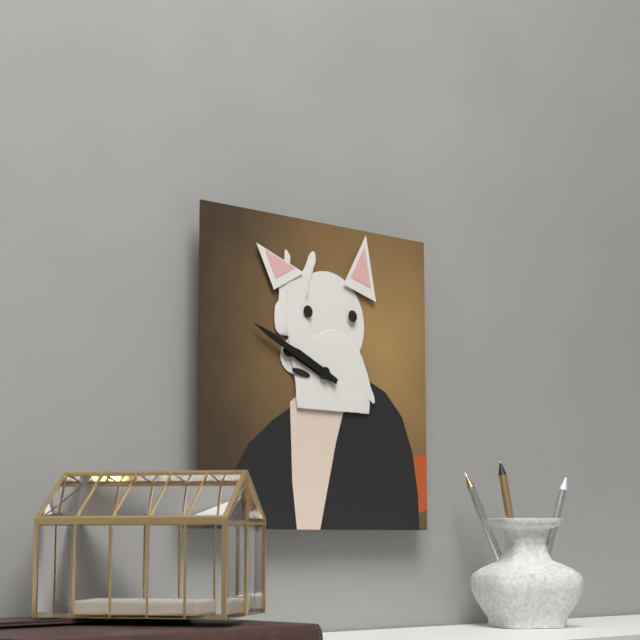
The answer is 9:49
